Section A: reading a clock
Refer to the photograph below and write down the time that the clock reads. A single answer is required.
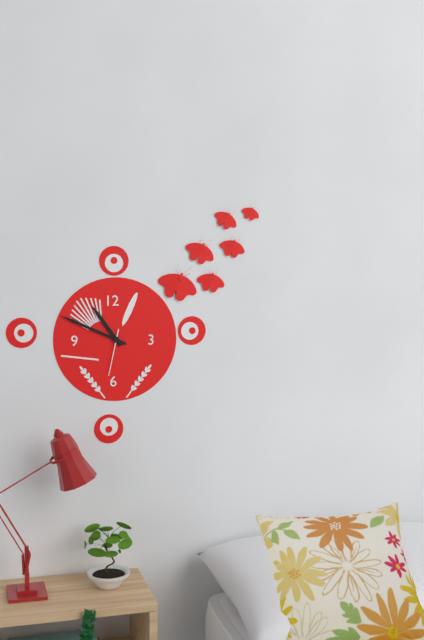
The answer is 10:49
